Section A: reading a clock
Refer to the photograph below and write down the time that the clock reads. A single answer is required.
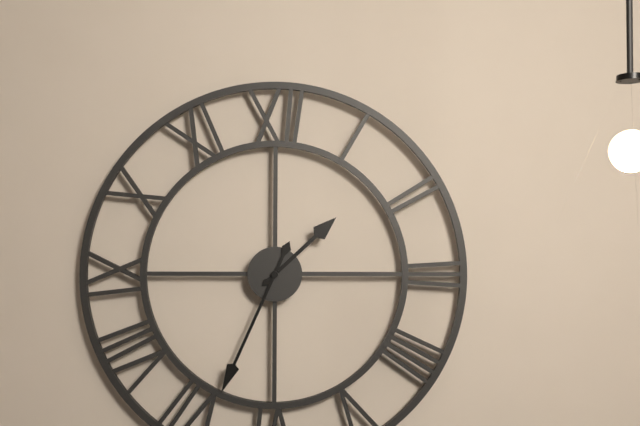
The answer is 1:34
